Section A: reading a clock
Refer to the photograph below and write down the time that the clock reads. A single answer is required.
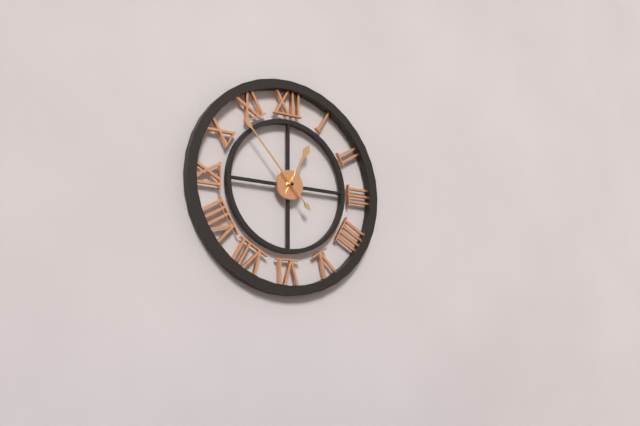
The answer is 12:53
